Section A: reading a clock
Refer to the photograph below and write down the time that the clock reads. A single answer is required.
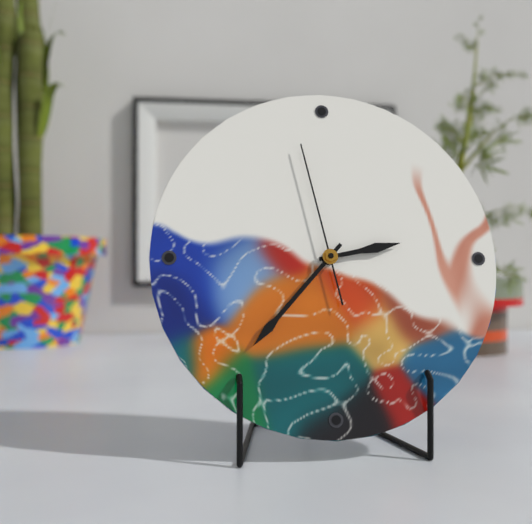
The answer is 2:37:58
